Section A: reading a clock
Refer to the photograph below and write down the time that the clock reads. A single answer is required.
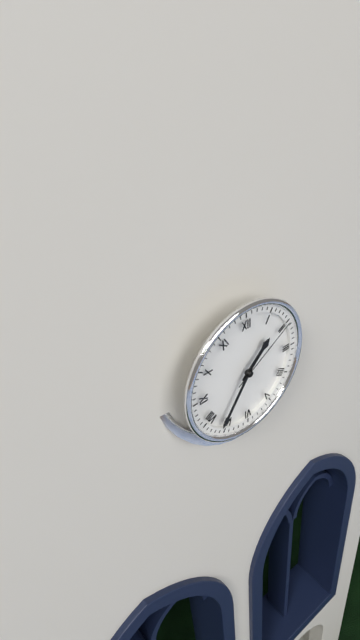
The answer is 1:36:10
